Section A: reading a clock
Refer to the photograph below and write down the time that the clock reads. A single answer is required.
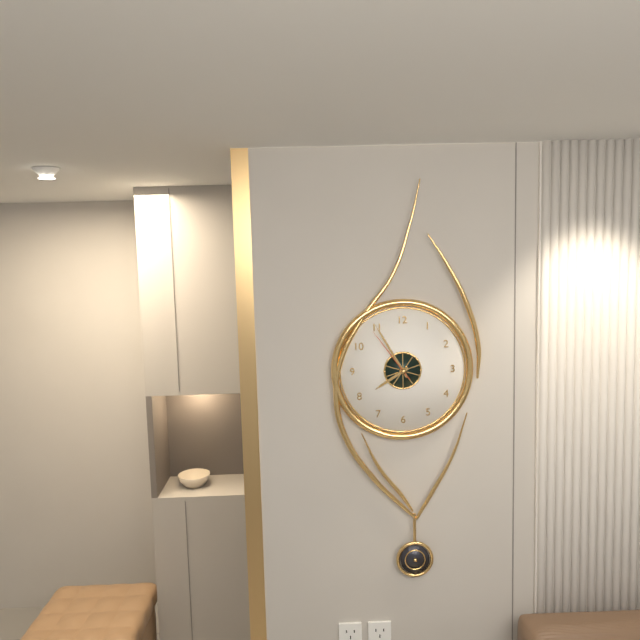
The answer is 7:55:54
